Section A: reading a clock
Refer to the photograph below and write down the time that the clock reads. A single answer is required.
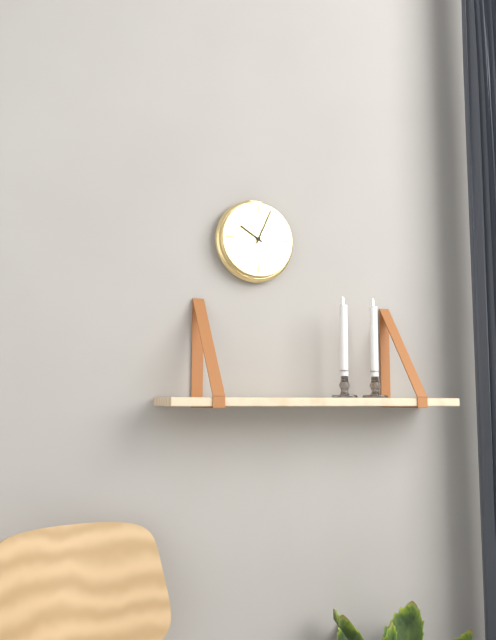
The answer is 10:04
